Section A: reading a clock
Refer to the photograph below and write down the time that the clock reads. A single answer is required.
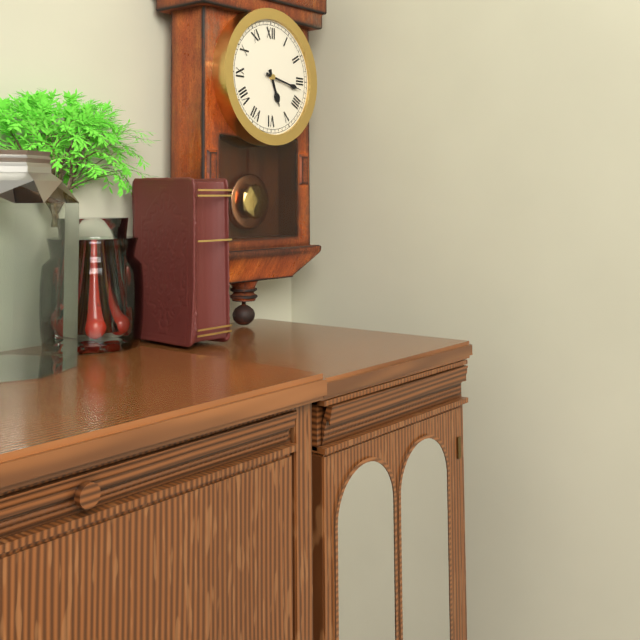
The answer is 5:17
